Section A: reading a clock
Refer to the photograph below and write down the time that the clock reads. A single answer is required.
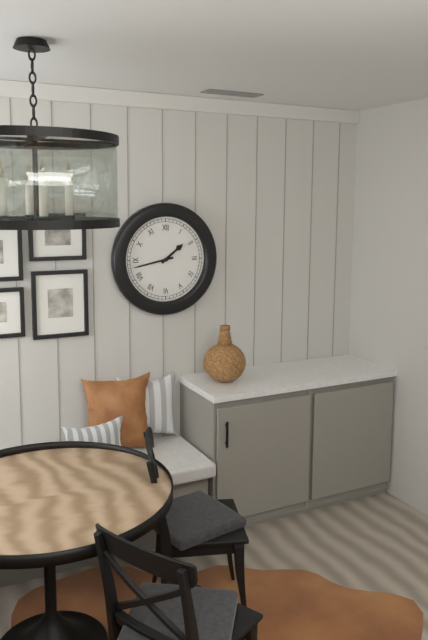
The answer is 1:43
